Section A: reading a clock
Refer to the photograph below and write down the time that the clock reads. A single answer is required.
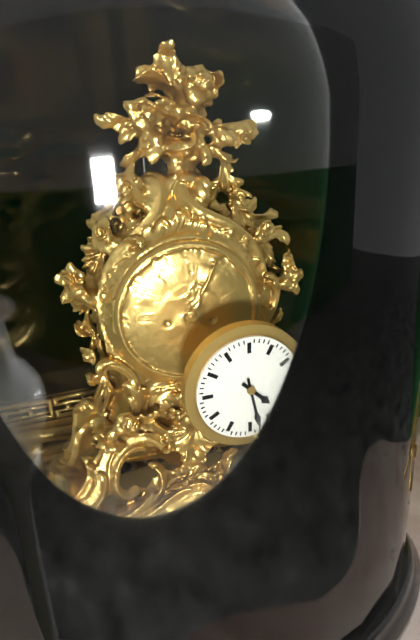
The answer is 4:28
